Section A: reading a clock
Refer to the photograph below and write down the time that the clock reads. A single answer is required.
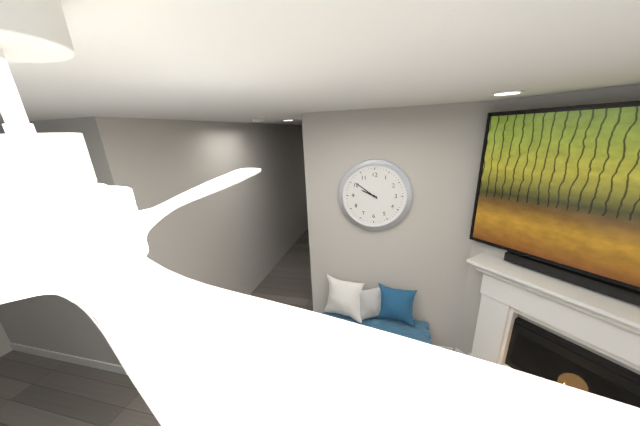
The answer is 9:51
